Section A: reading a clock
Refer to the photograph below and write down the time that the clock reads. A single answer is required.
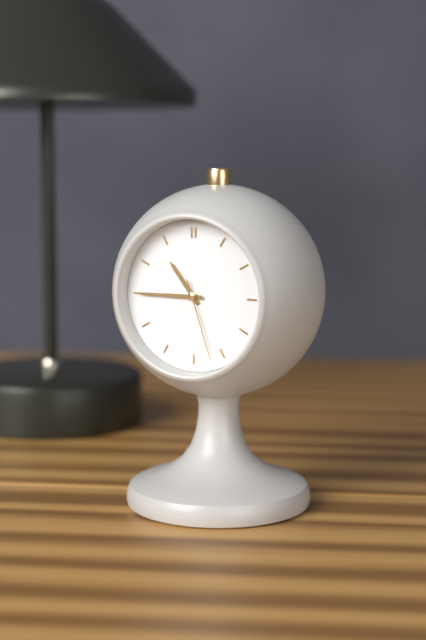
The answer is 10:45:27
